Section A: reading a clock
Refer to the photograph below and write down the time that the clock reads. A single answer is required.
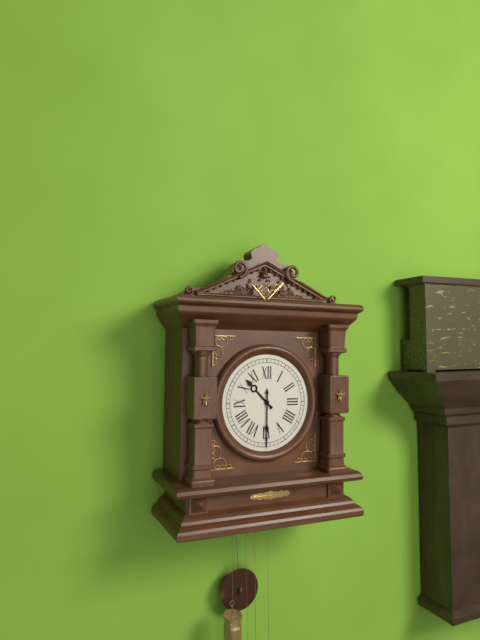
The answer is 10:30
